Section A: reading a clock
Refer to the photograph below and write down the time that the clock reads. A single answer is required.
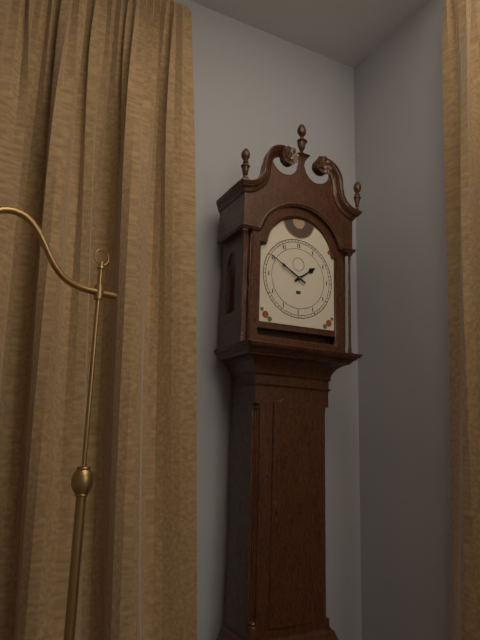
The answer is 1:50
